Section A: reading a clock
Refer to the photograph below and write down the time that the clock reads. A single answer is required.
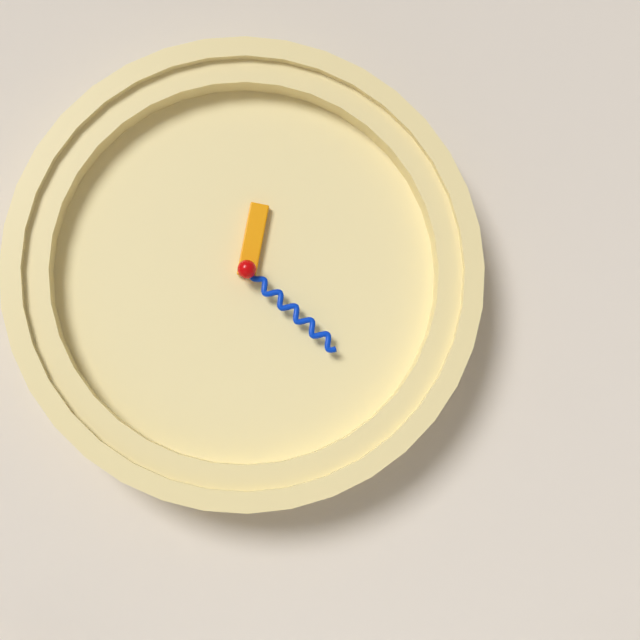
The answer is 12:22
